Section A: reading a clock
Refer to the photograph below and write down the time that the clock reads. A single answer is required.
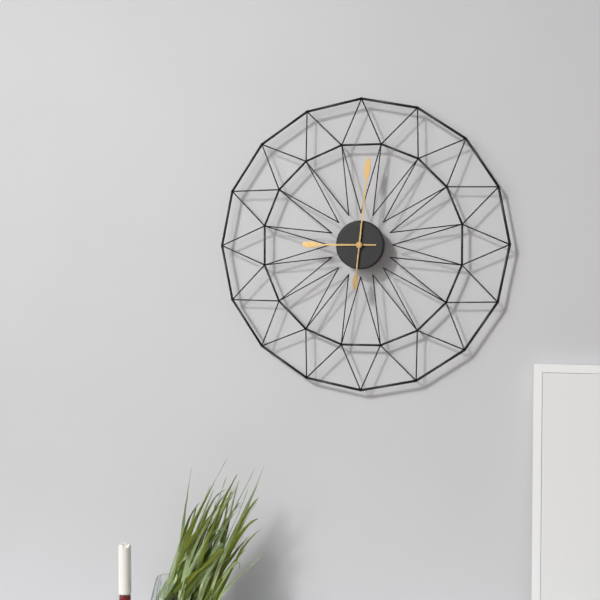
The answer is 9:01
